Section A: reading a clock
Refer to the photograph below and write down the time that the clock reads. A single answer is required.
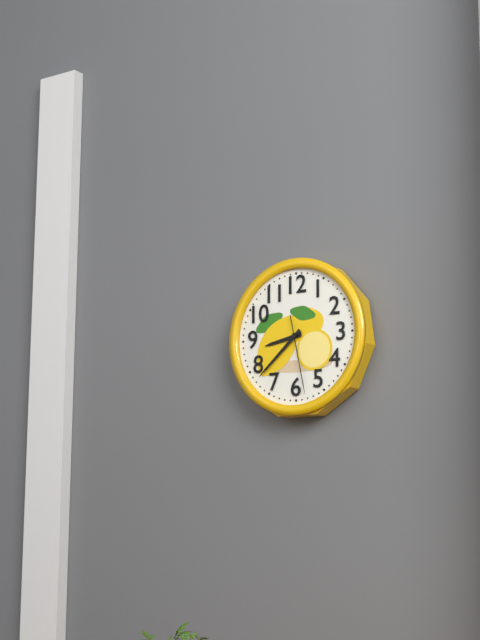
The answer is 8:38:28
